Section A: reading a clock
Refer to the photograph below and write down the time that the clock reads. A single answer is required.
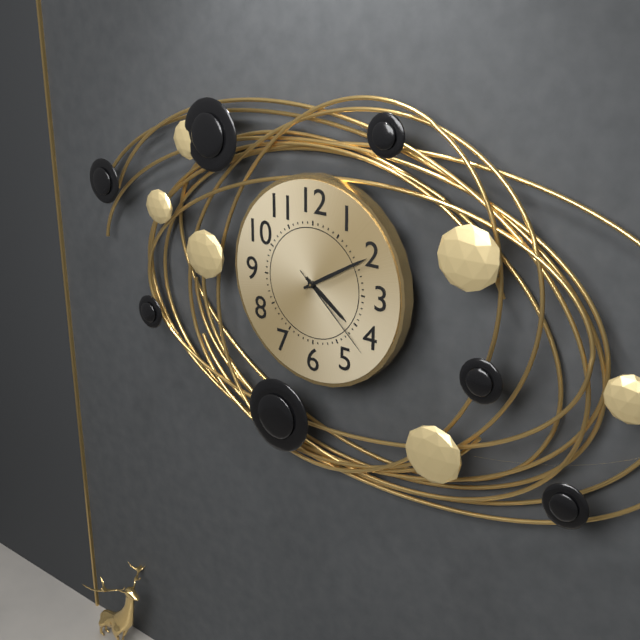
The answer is 4:10:22
